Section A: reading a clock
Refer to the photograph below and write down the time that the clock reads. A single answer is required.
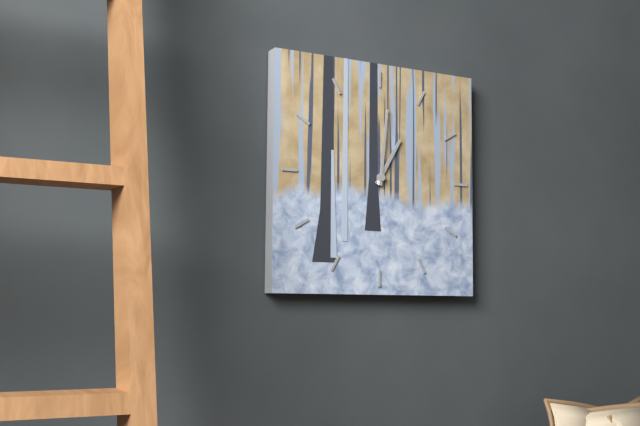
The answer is 1:01
